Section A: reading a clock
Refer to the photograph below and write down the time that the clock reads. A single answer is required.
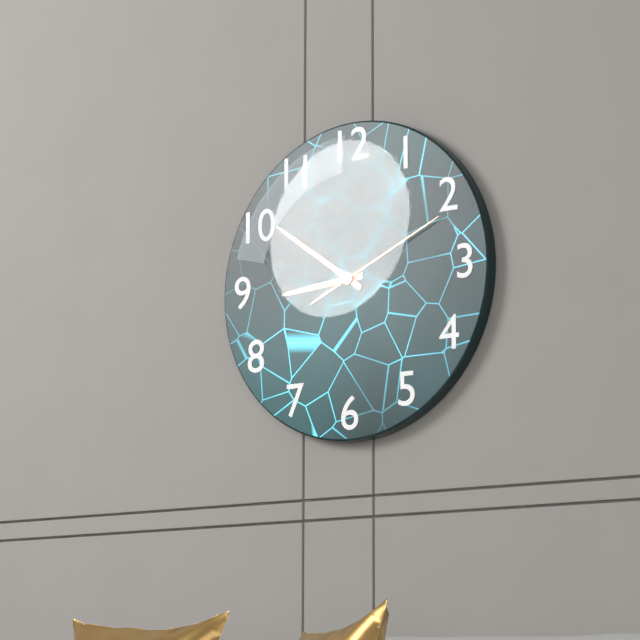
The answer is 8:51:11
